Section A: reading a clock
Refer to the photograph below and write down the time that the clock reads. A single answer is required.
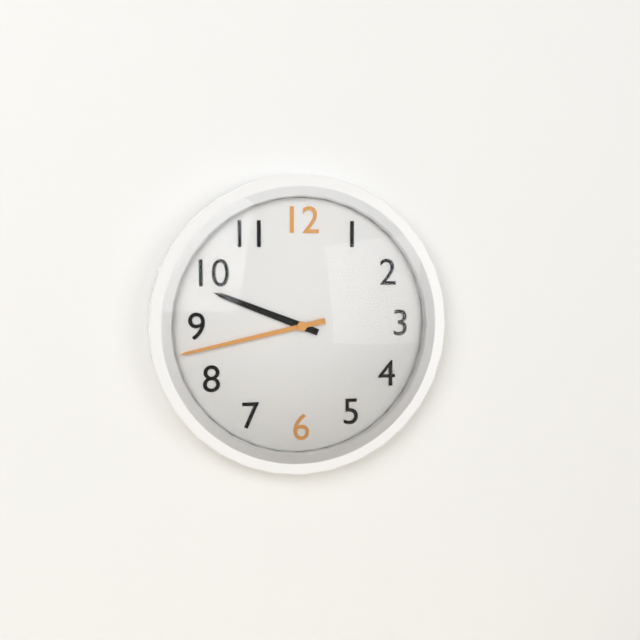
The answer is 9:43
